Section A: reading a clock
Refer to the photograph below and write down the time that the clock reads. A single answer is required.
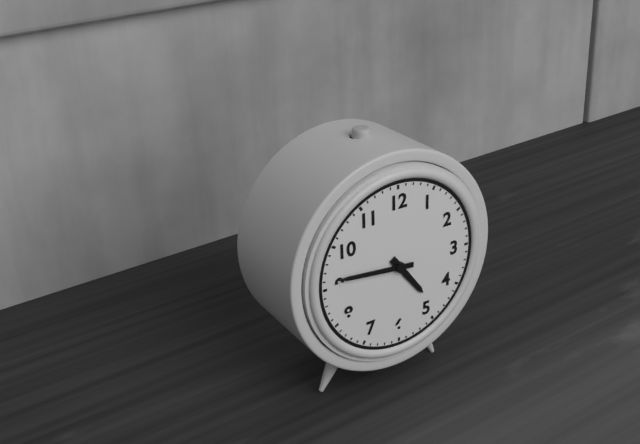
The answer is 4:46
